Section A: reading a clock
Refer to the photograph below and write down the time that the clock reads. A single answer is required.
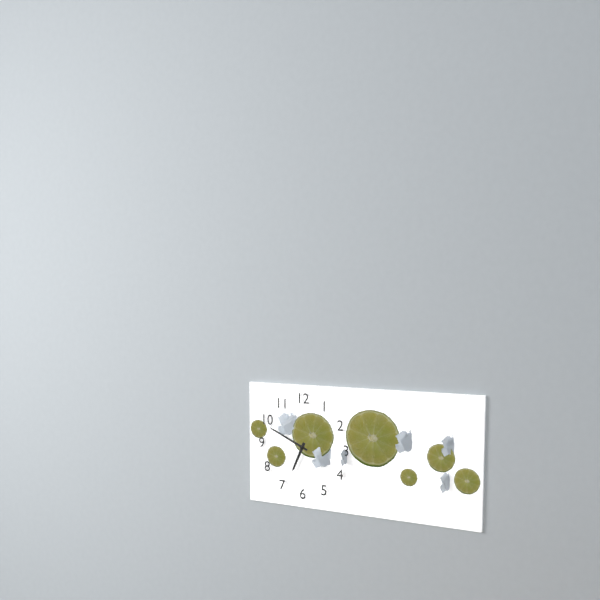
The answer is 6:49
